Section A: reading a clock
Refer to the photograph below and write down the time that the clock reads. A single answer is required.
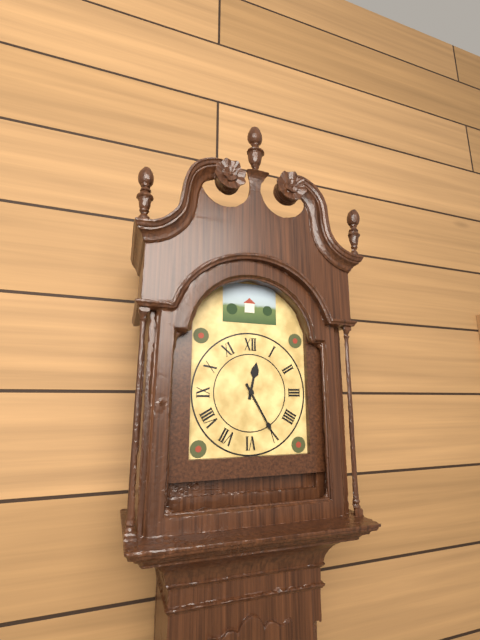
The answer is 12:25
